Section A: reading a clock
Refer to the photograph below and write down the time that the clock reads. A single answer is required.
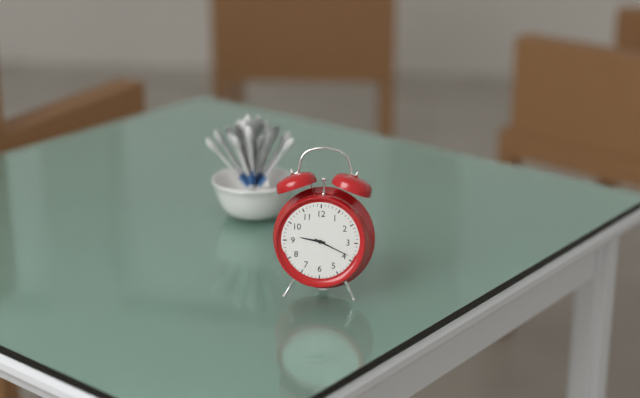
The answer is 9:19
